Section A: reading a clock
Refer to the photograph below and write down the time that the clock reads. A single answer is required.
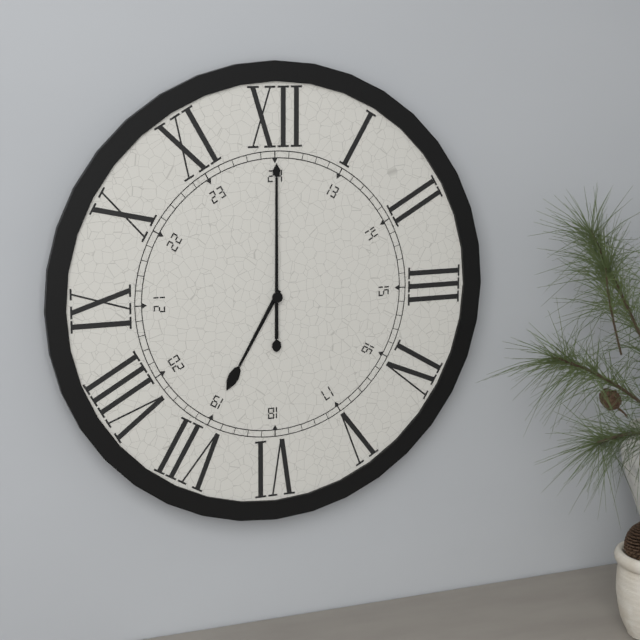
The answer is 7:00
